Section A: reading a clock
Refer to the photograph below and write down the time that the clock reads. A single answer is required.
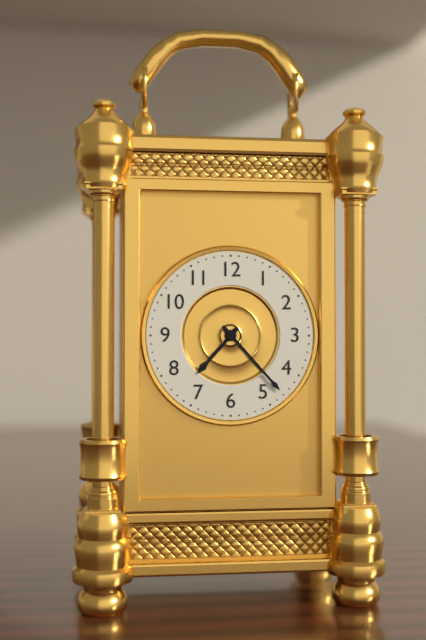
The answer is 7:23
